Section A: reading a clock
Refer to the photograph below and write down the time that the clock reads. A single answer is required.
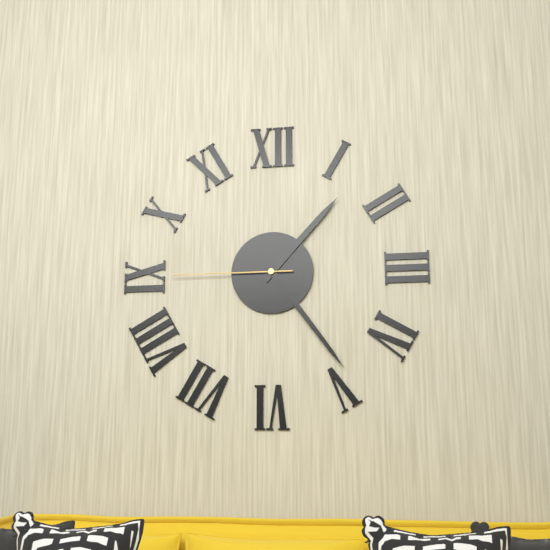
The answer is 1:24:45
